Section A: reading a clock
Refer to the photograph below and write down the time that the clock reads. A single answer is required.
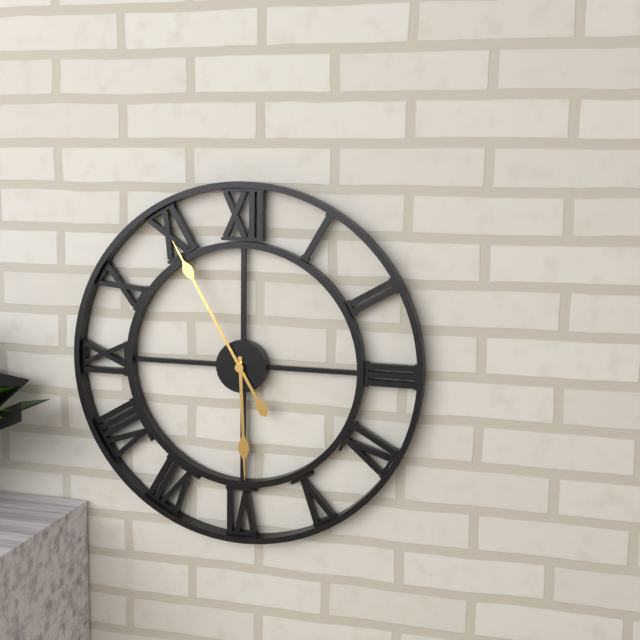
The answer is 5:55
